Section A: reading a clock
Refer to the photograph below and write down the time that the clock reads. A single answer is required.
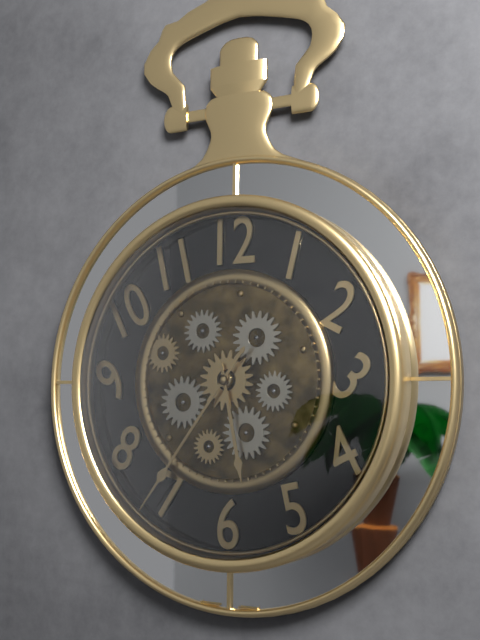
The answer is 5:36
